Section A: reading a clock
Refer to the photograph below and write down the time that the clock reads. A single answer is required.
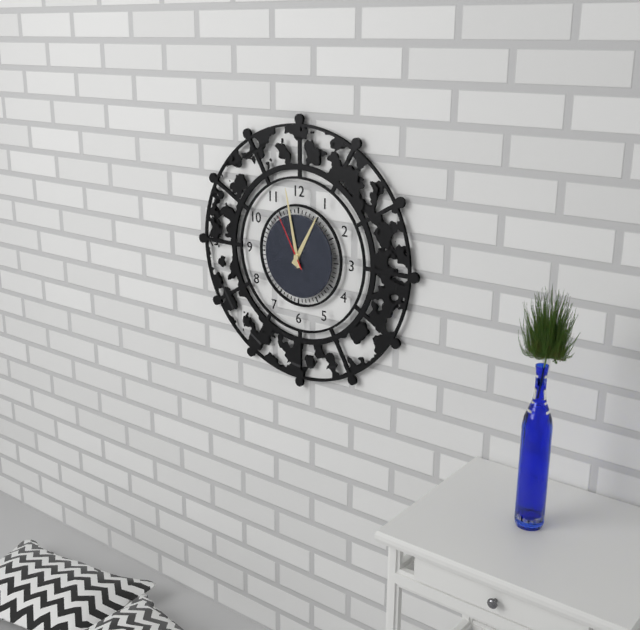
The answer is 12:58:55
